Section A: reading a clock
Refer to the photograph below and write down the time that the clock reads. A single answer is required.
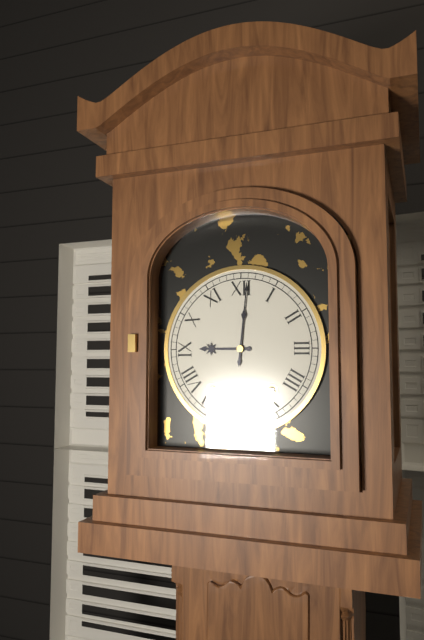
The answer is 9:01
